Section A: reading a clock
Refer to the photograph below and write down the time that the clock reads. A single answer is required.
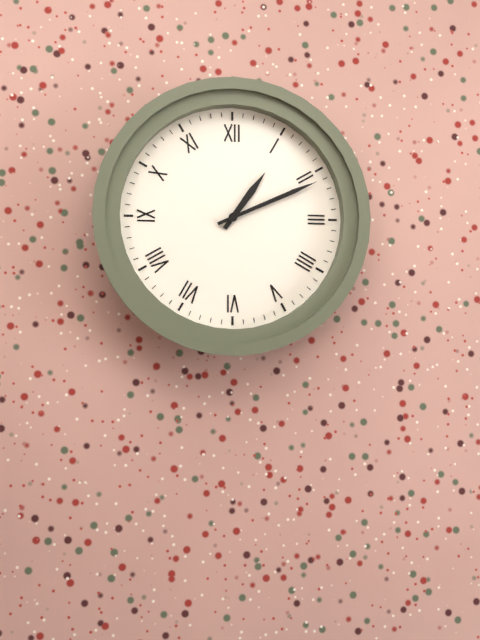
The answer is 1:11
